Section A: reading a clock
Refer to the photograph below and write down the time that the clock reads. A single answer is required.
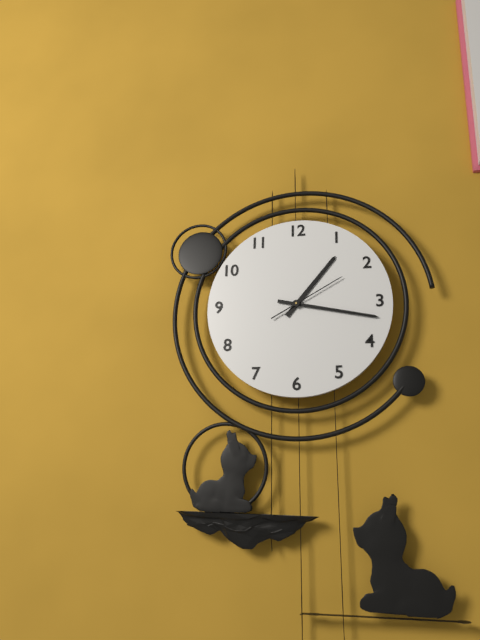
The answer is 1:17:10
